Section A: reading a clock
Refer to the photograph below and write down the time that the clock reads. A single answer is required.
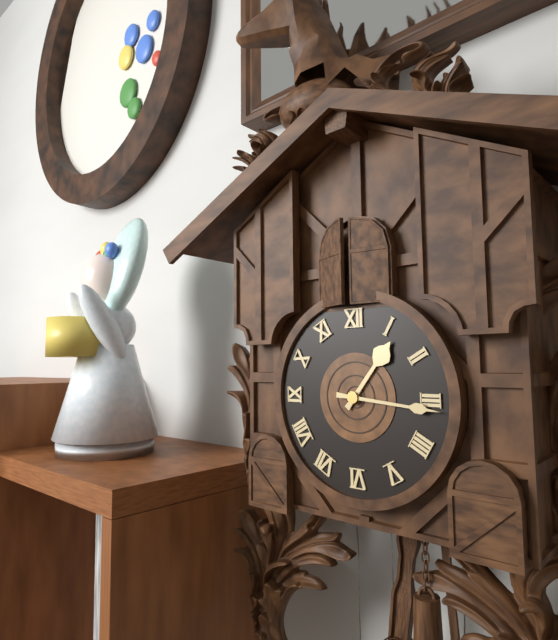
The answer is 1:16
